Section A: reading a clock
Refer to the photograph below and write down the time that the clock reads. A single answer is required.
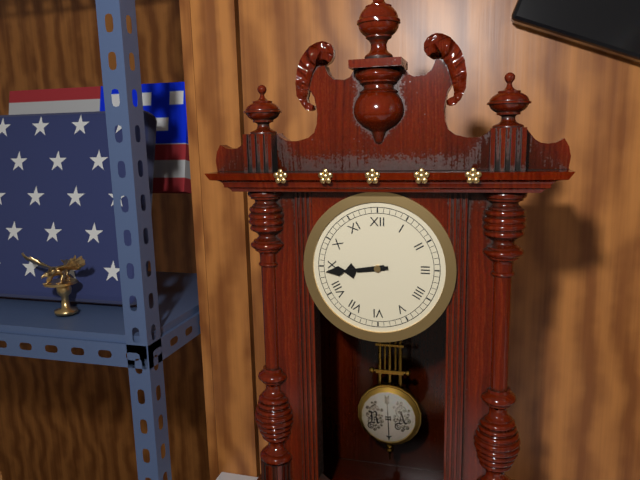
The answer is 8:44
